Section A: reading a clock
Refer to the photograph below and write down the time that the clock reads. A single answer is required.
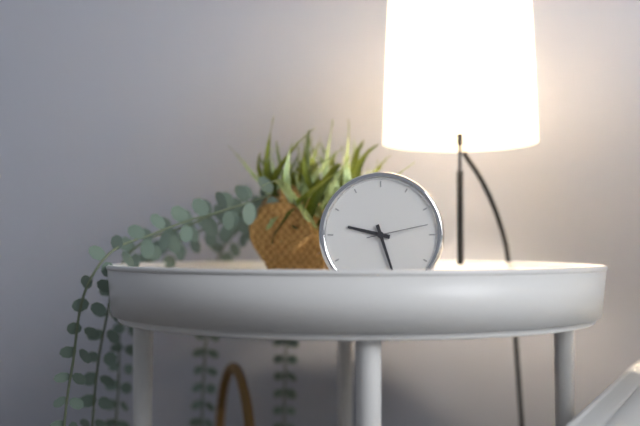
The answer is 9:27:13
